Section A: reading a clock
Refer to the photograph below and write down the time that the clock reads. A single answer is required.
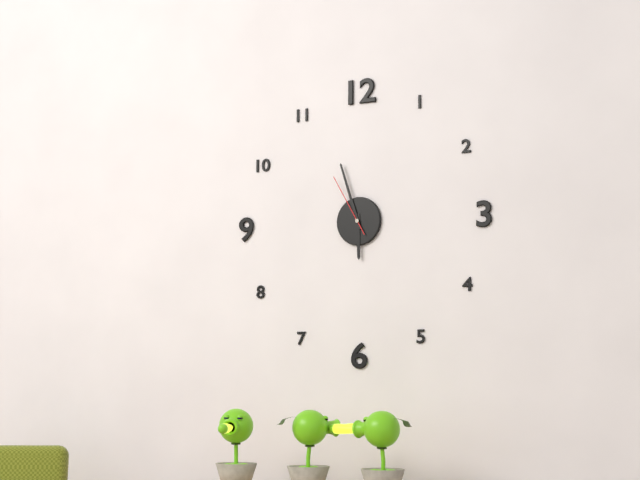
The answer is 5:57:55
